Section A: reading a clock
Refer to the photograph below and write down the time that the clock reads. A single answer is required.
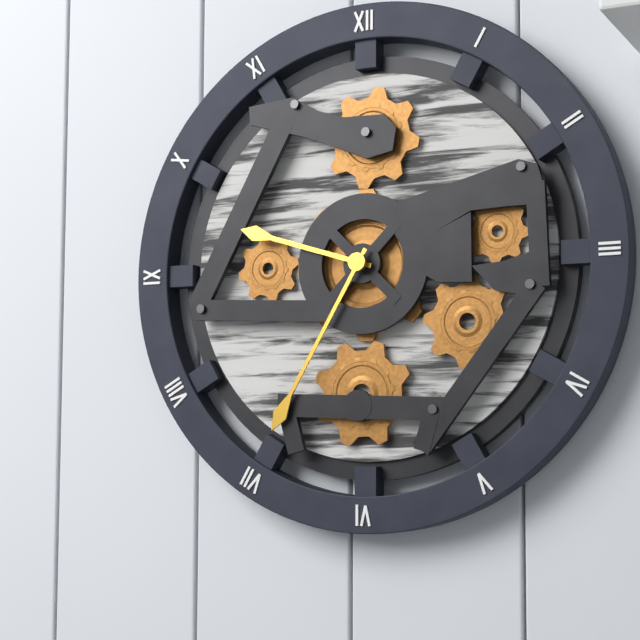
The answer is 9:35
